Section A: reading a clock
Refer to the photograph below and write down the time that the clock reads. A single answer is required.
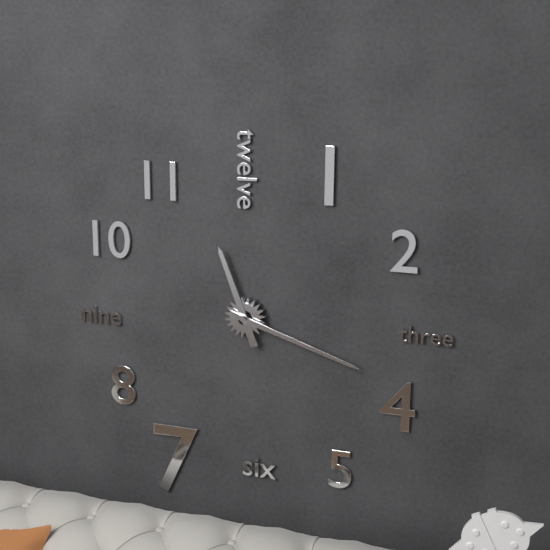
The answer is 11:18
